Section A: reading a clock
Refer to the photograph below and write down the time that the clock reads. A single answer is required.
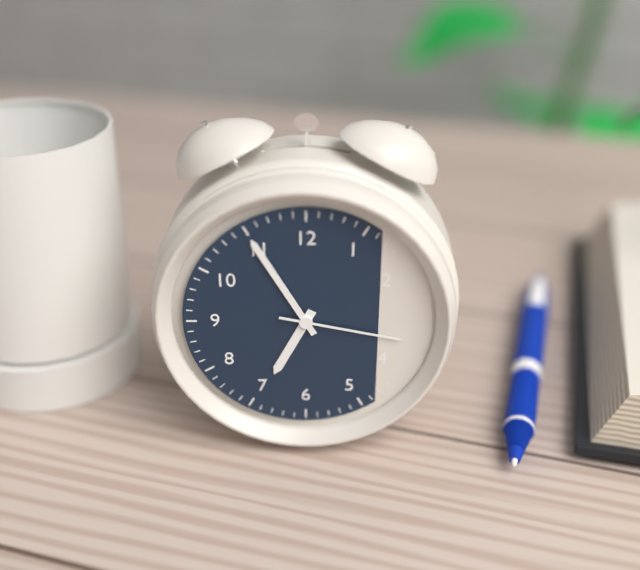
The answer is 6:55:17
